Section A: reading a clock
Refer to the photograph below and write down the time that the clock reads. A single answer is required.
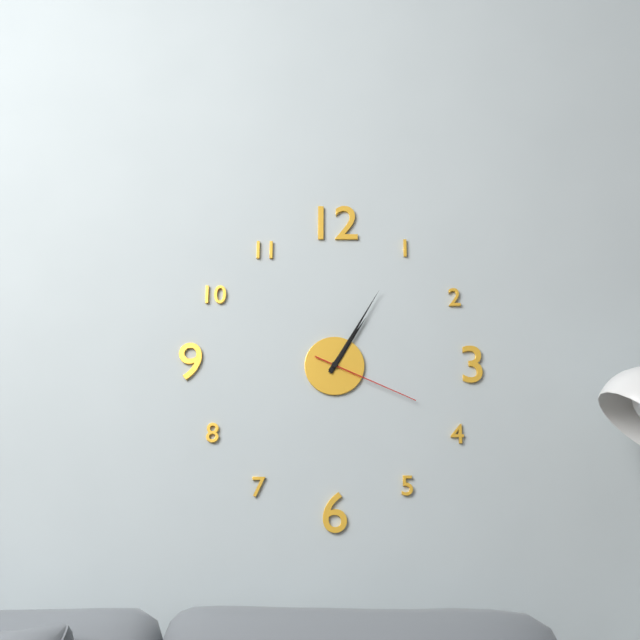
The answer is 1:05:19
